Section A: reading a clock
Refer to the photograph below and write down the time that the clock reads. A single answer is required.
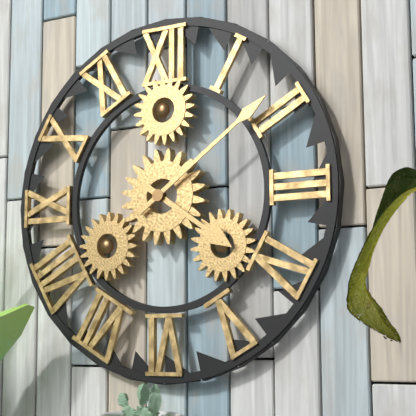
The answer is 4:09
